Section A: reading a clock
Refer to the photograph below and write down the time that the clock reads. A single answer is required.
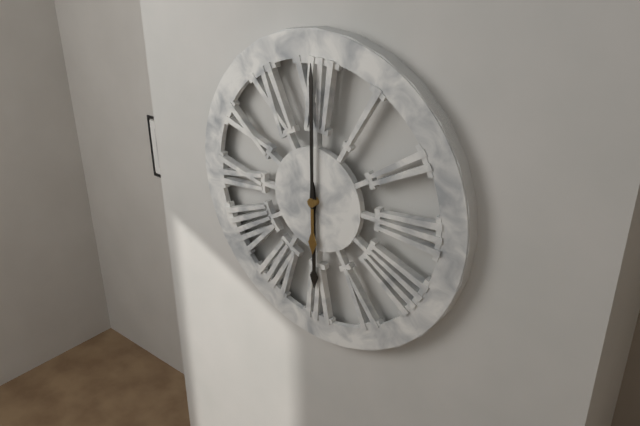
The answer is 6:00
